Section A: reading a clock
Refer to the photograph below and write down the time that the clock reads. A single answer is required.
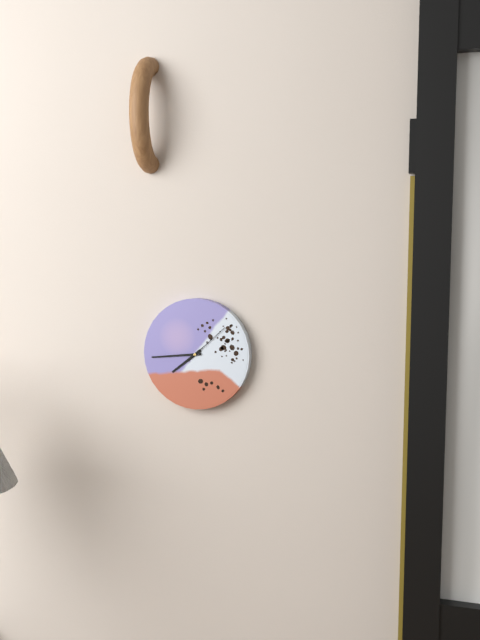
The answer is 7:44
